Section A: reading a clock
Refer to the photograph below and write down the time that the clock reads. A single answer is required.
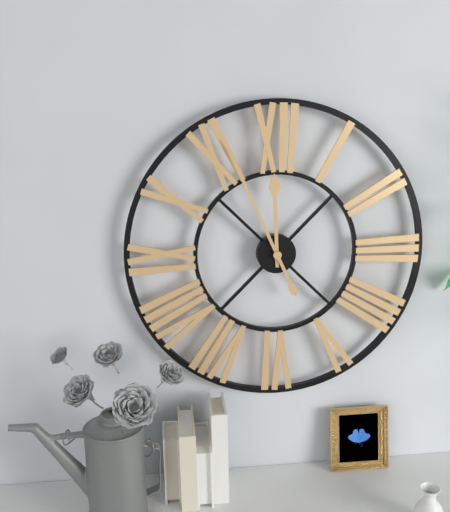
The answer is 11:56
